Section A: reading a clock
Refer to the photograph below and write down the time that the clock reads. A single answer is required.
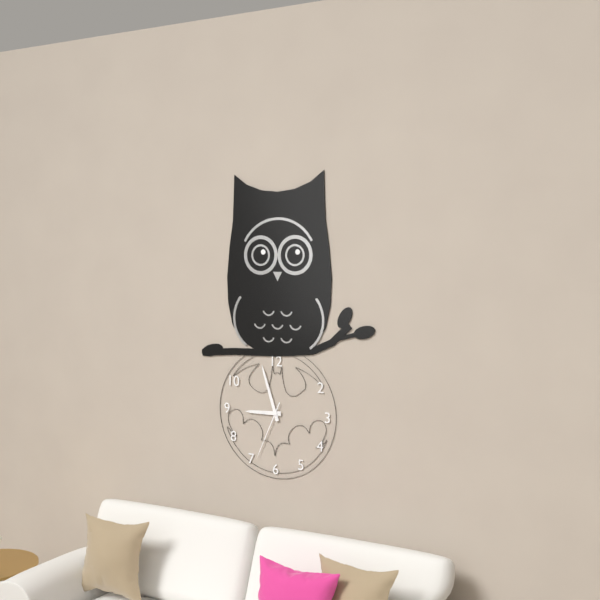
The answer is 8:57:34
